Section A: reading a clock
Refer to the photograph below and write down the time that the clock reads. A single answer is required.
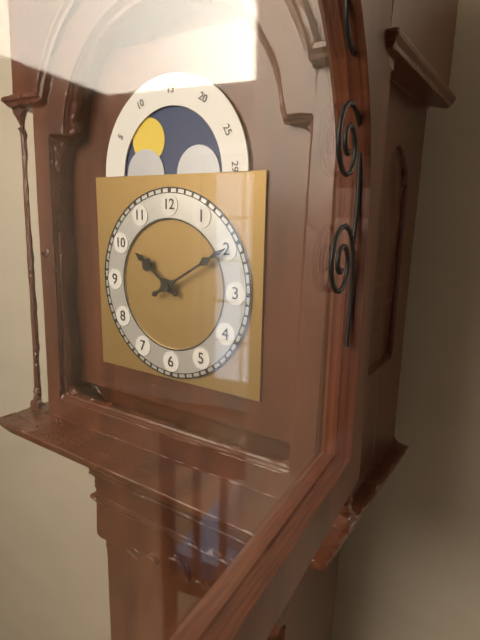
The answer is 10:10
